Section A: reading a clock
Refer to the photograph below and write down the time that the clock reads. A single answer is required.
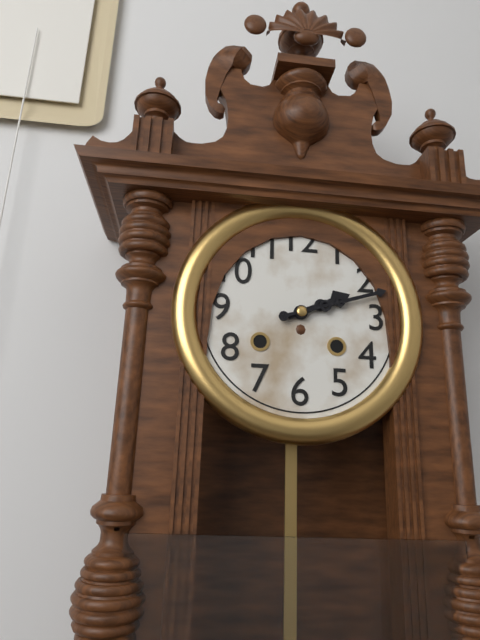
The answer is 2:12
